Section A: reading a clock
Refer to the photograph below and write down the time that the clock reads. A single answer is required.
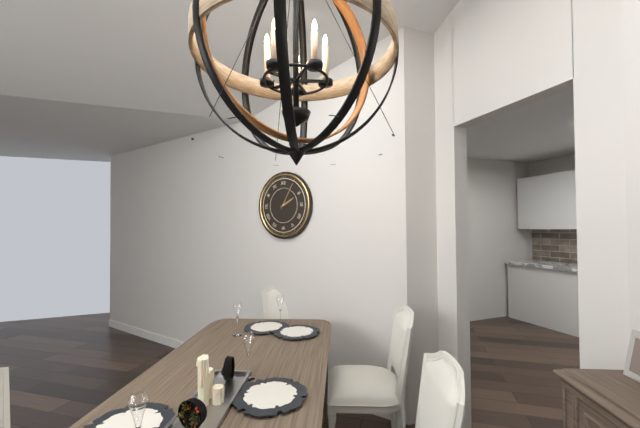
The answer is 2:05
